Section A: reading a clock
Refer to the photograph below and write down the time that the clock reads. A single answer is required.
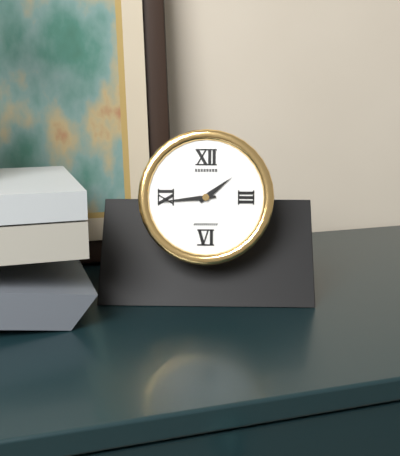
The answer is 1:44
